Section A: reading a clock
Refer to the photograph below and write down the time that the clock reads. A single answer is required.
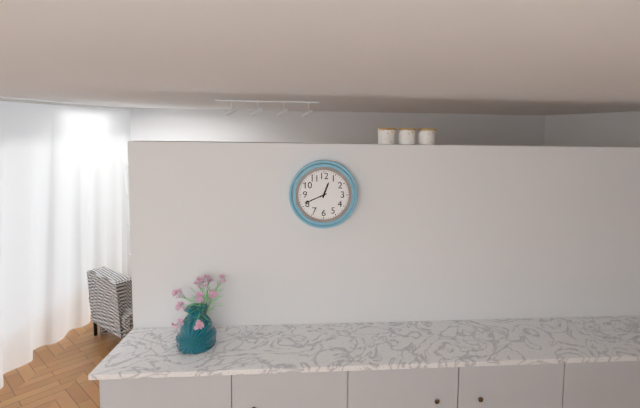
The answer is 12:41
